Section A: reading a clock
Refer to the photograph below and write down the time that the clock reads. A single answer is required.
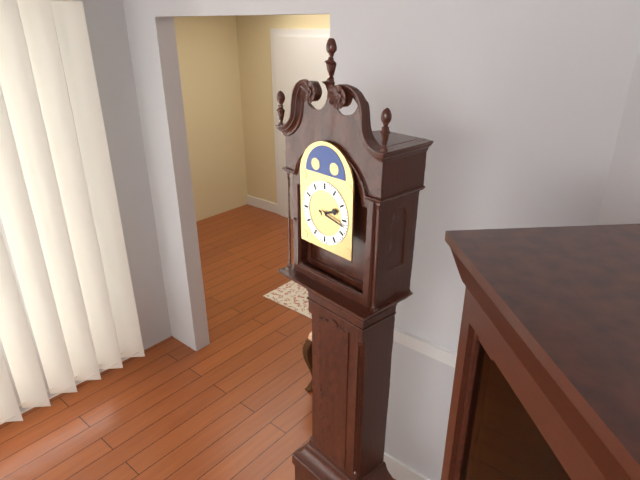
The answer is 2:17
